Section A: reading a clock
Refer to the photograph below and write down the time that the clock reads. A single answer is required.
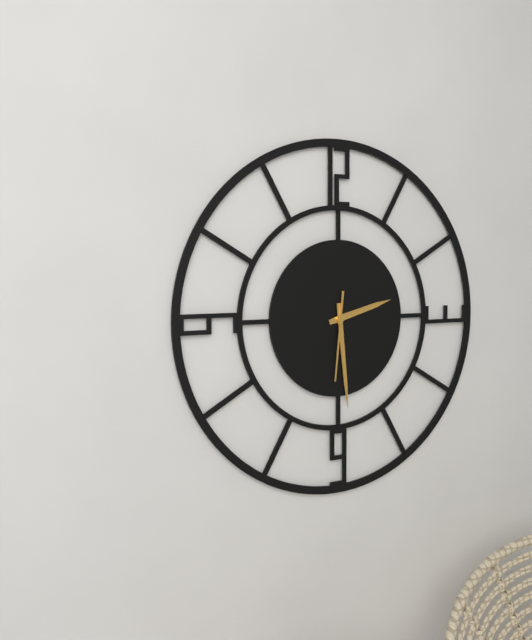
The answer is 2:29:31
